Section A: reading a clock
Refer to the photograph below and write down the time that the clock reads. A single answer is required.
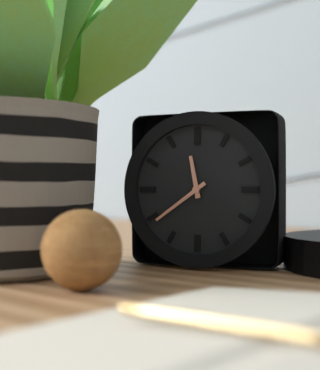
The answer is 11:39
